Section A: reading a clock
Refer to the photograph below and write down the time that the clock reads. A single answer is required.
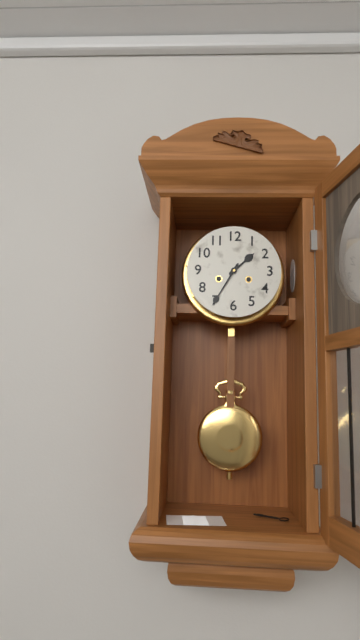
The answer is 1:35
